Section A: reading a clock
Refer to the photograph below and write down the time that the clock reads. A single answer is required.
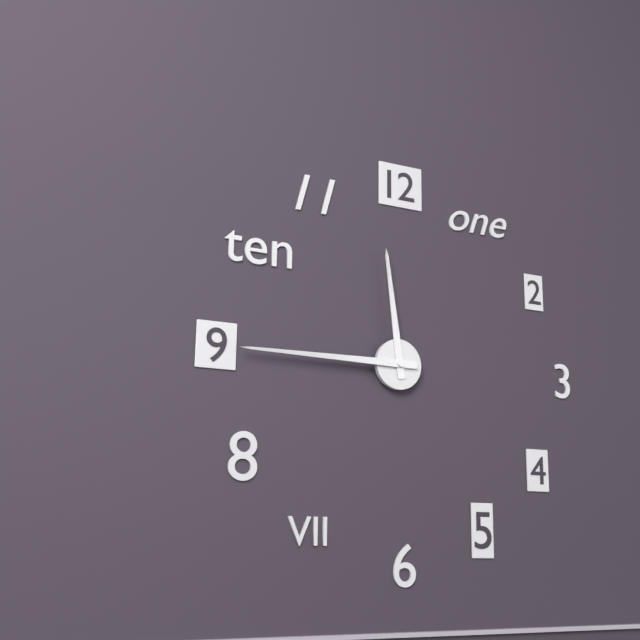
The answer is 11:45
